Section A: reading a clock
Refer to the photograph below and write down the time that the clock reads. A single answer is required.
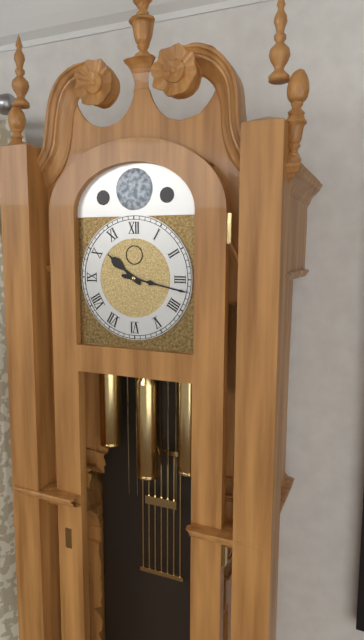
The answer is 10:17
